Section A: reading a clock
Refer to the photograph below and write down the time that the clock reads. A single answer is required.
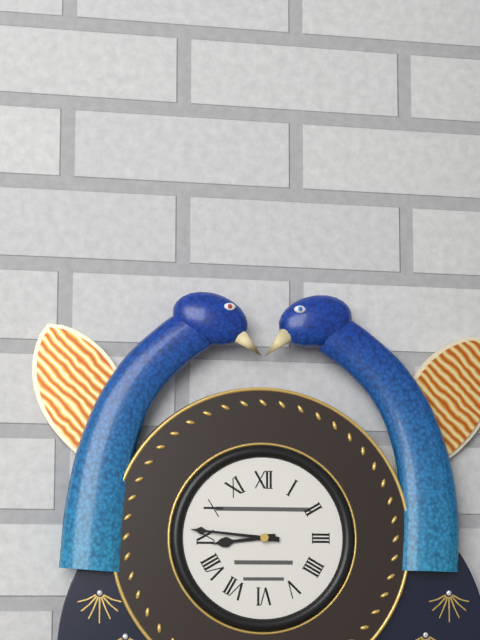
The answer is 8:46
